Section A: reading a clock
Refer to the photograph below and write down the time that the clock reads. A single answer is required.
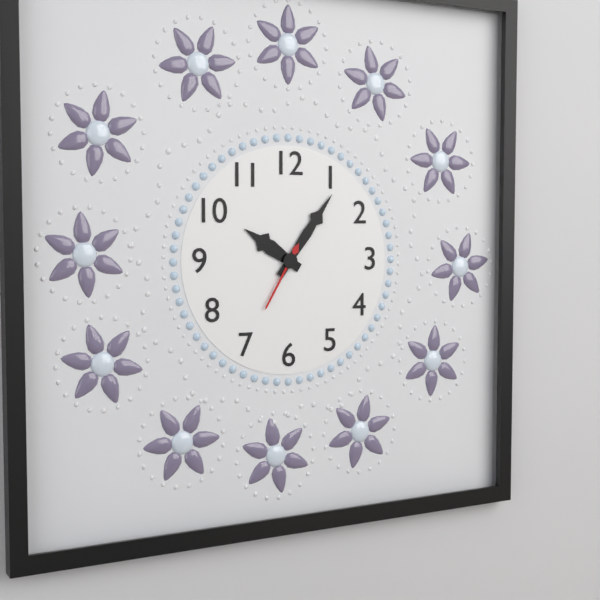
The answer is 10:06:35
